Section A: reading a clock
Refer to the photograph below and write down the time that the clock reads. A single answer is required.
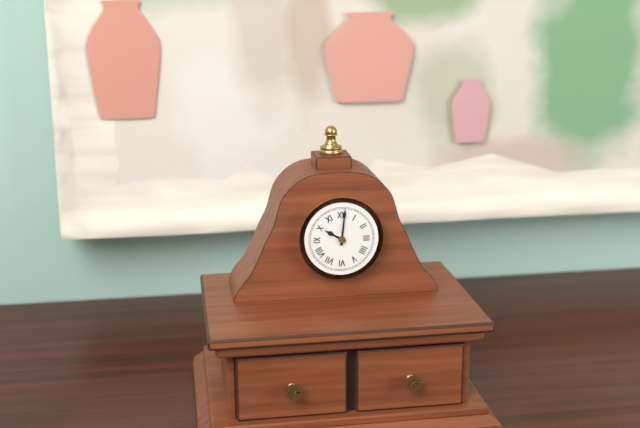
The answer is 10:01
